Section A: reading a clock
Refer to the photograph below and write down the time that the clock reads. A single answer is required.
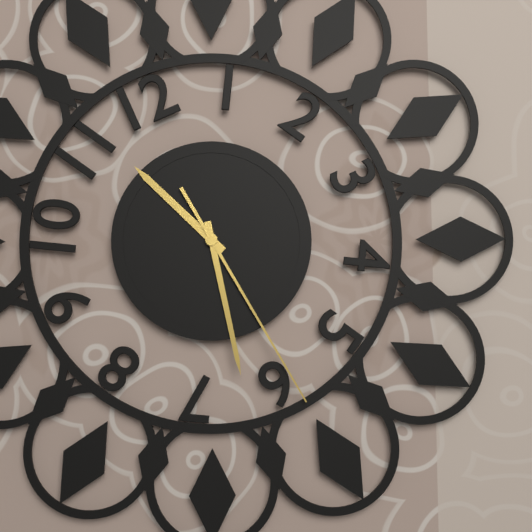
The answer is 10:28:25
